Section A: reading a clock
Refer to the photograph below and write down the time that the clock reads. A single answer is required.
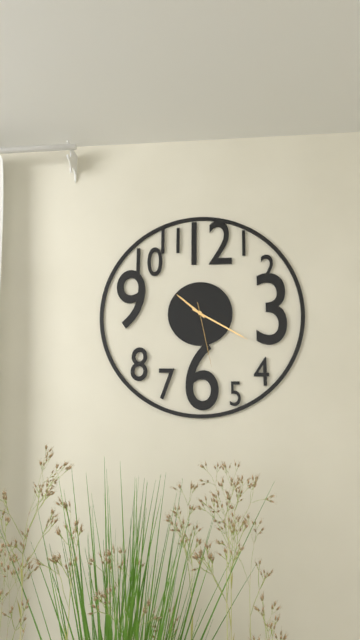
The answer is 10:20:28
